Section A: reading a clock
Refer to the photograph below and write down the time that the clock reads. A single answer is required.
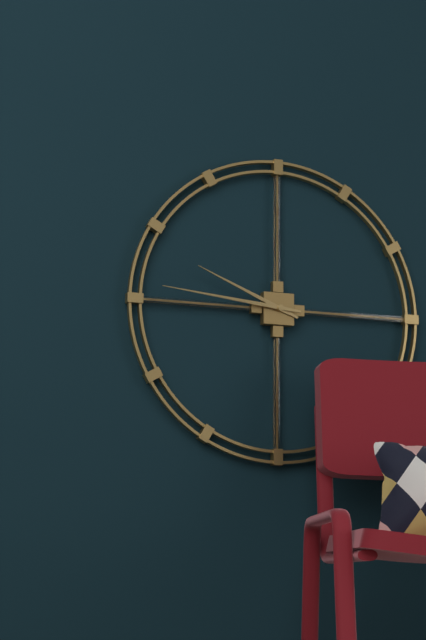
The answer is 9:46
